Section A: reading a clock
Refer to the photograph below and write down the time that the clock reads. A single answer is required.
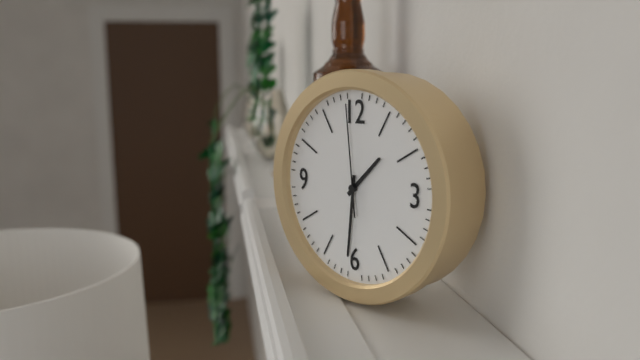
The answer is 1:31:59
